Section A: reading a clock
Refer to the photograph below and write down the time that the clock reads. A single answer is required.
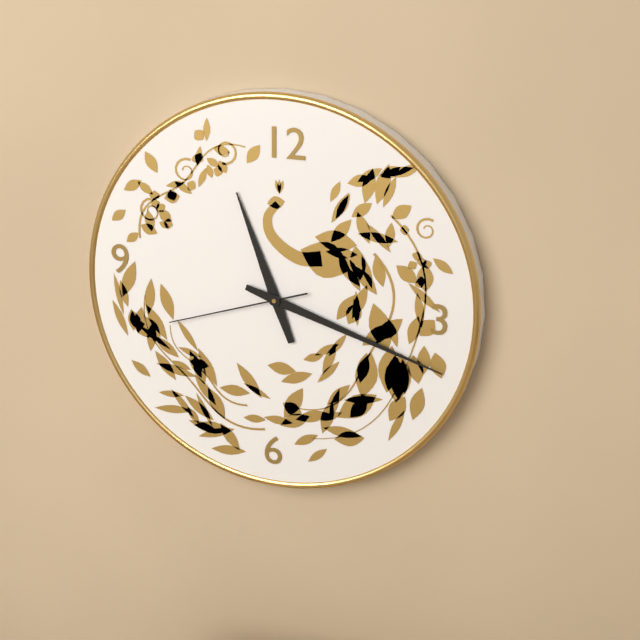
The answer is 11:18:42
